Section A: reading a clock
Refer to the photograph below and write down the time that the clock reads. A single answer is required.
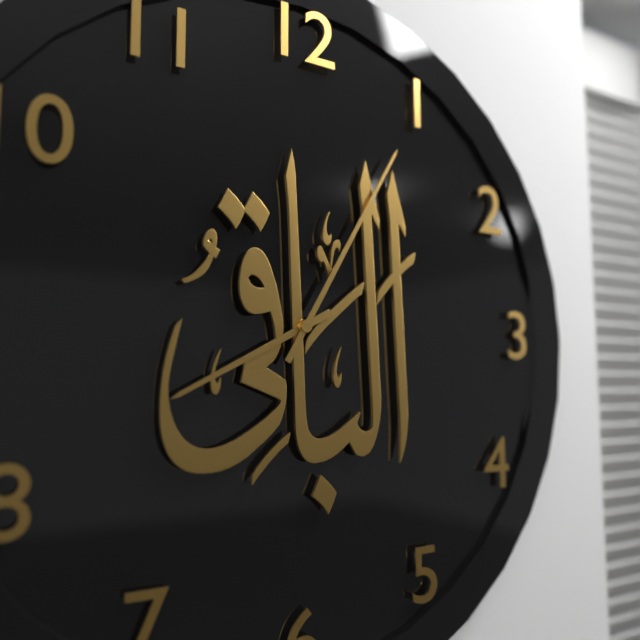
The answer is 8:05
